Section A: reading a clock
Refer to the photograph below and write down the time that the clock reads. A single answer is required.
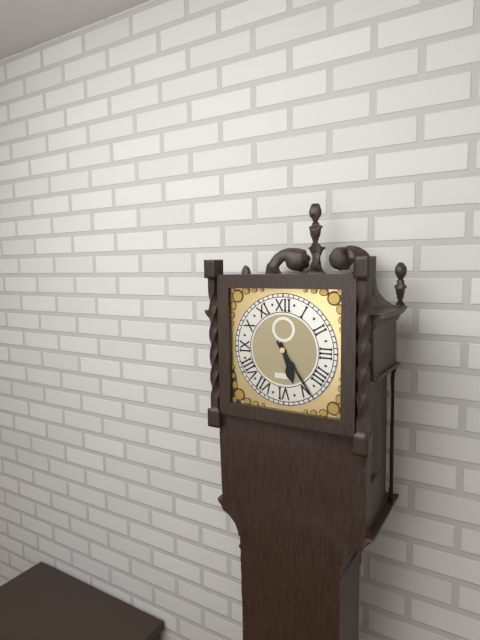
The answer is 5:24
